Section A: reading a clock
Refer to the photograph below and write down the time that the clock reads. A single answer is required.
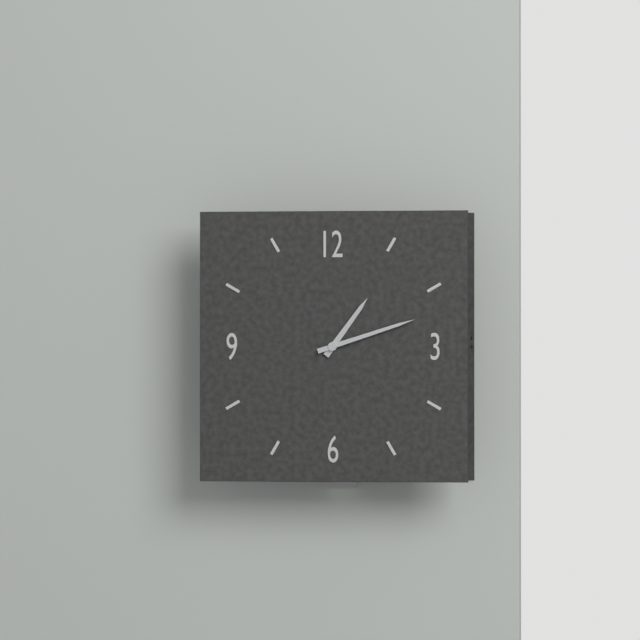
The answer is 1:12
